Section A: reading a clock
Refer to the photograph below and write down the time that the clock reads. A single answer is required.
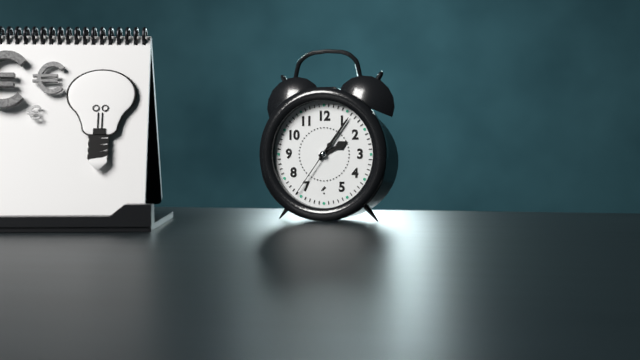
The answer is 2:06:36
